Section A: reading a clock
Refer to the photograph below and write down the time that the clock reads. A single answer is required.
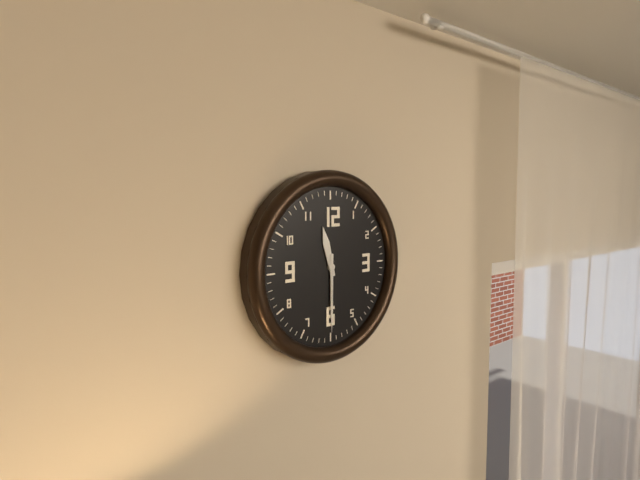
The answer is 11:30
